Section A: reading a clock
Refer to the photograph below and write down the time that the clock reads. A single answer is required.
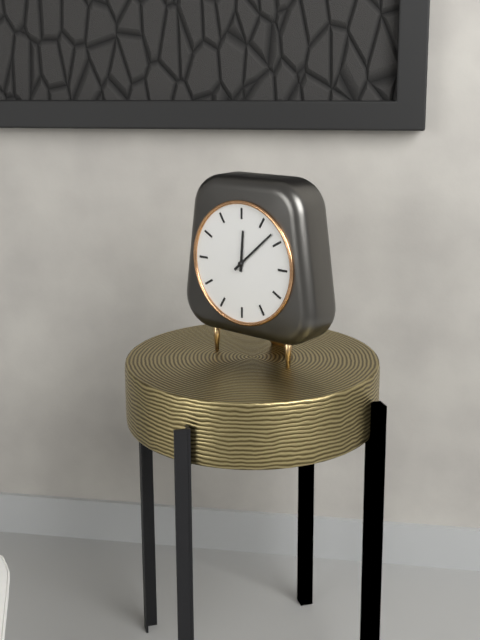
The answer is 12:08
